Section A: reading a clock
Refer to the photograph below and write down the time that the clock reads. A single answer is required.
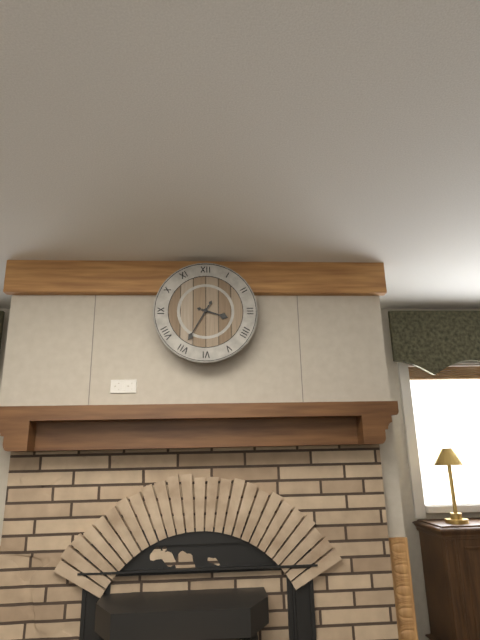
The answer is 3:35
